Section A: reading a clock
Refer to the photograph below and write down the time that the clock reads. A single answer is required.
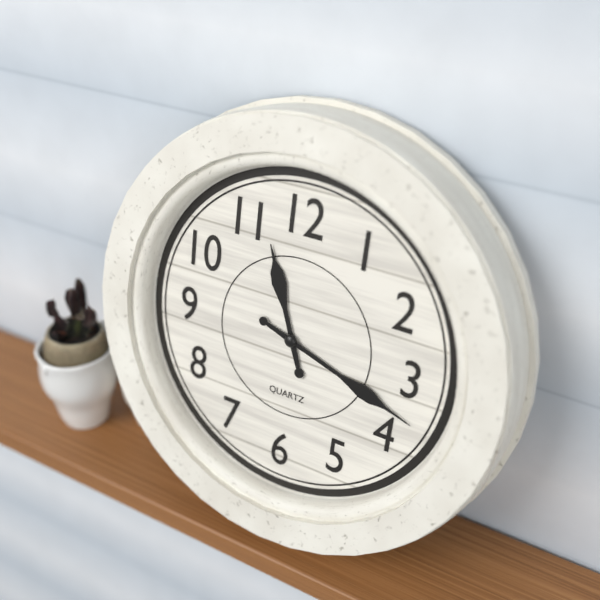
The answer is 11:18
